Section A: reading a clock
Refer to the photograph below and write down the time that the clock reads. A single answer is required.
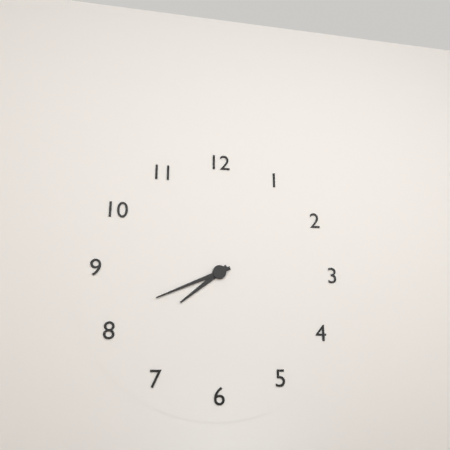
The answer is 7:41
